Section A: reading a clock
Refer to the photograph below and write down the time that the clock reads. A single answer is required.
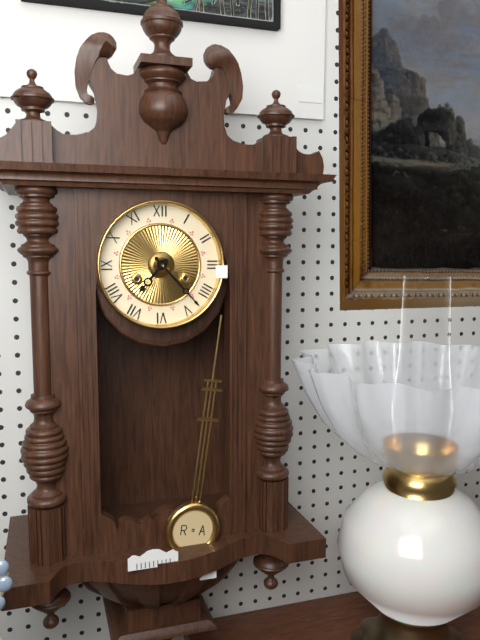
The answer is 7:23
